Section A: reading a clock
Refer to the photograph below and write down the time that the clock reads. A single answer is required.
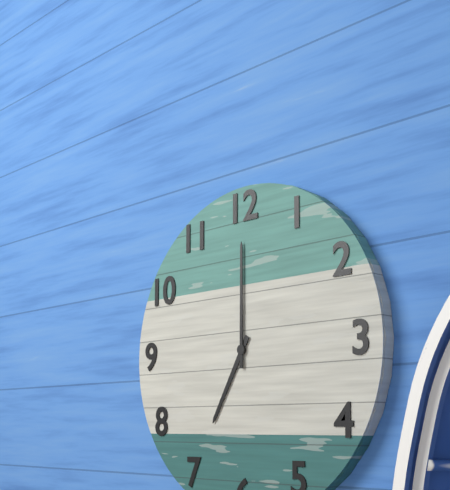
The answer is 7:00
